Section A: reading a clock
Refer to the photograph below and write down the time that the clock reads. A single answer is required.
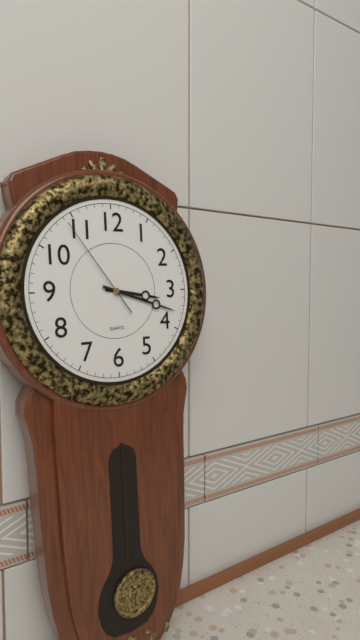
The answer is 3:18:54
